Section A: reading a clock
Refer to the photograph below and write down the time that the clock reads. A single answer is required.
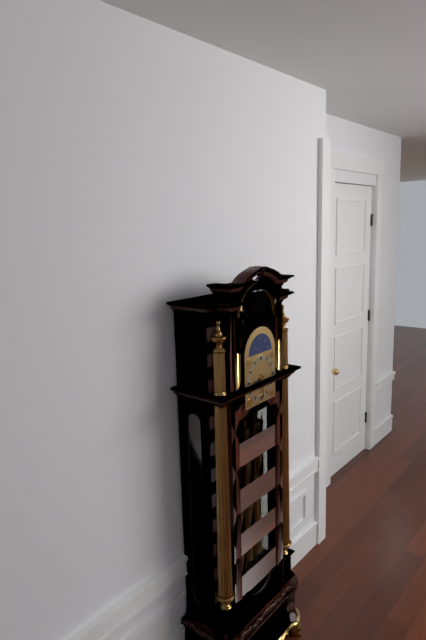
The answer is 8:29
